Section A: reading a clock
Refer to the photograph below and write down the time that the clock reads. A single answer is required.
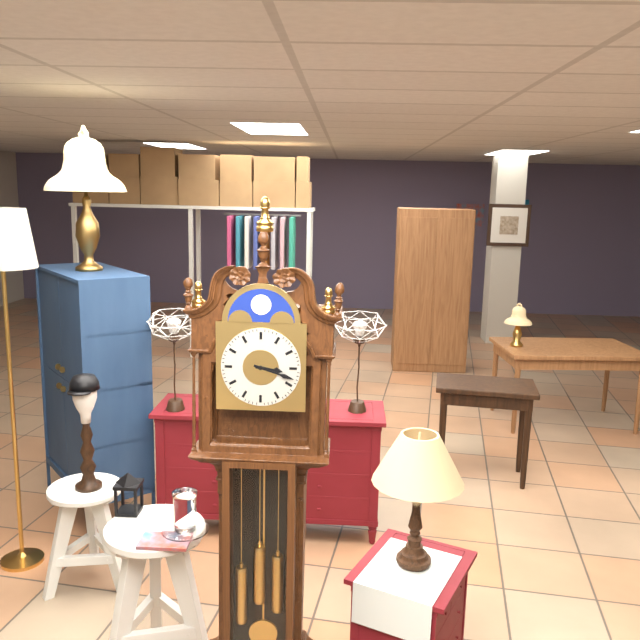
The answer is 3:18
